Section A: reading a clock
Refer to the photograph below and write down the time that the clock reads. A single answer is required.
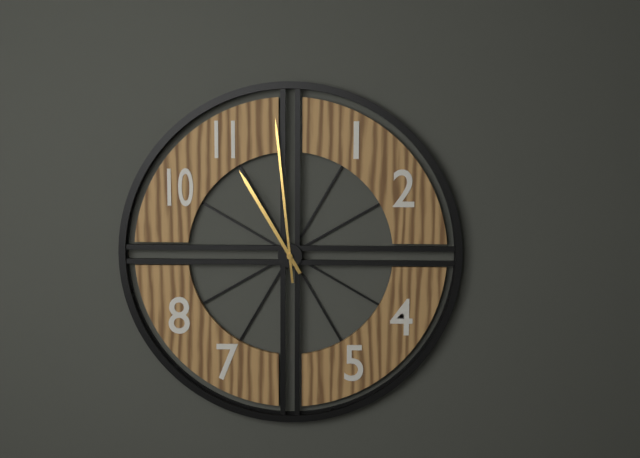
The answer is 10:59
